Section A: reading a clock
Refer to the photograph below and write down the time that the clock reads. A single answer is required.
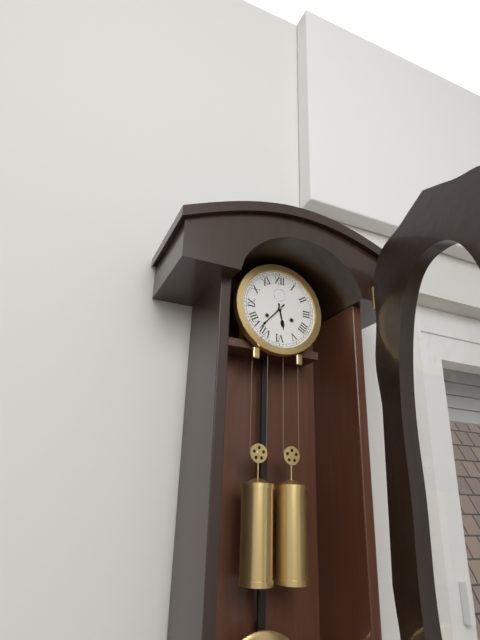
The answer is 5:37
